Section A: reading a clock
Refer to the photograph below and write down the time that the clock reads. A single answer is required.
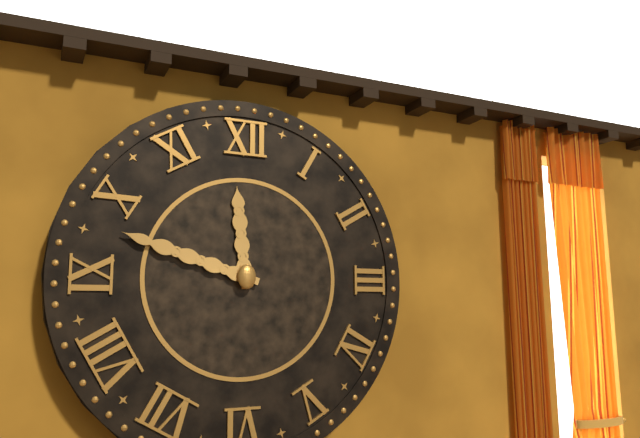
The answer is 11:48
